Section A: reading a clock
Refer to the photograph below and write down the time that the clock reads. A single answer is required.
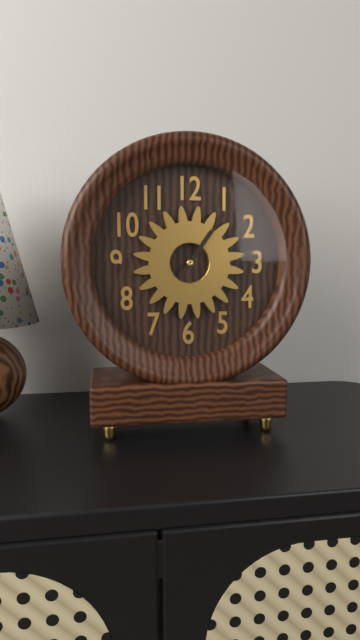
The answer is 1:06
